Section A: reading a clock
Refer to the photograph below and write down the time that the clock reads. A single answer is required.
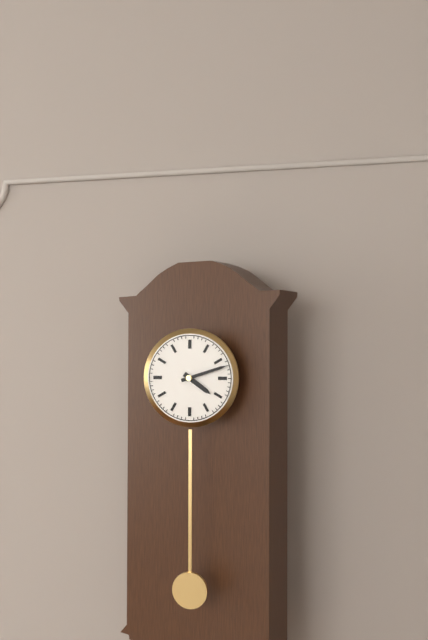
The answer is 4:12
